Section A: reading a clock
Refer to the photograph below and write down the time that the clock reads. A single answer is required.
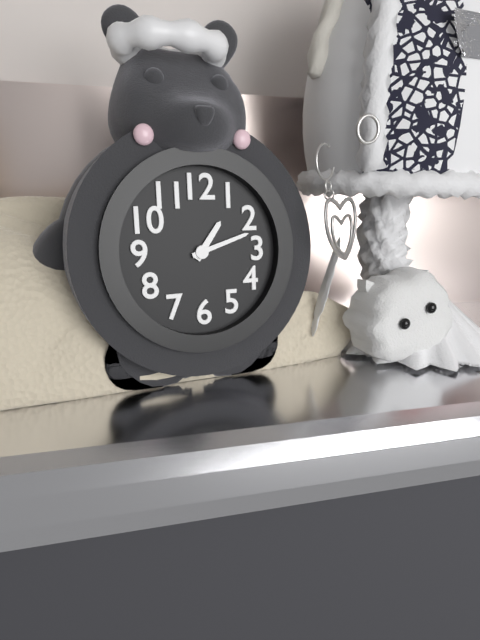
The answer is 1:12
